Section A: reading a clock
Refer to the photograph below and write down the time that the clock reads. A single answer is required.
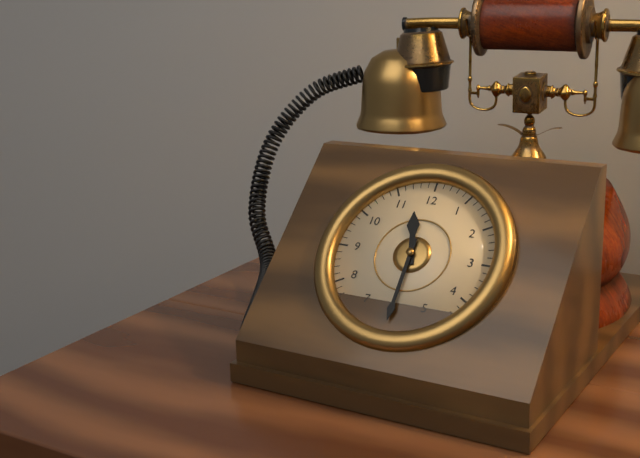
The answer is 11:30
